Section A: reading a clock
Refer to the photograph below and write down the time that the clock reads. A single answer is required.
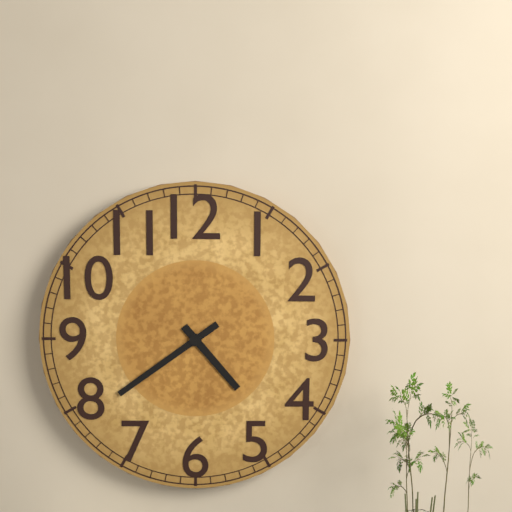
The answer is 4:39
